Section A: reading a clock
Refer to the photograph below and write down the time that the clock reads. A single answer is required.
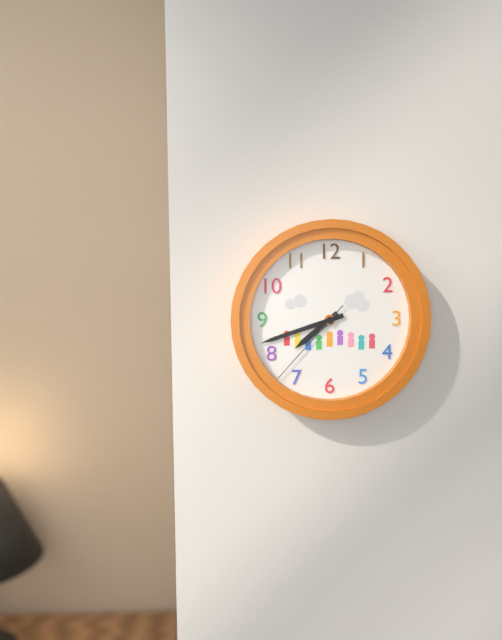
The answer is 7:42:37
